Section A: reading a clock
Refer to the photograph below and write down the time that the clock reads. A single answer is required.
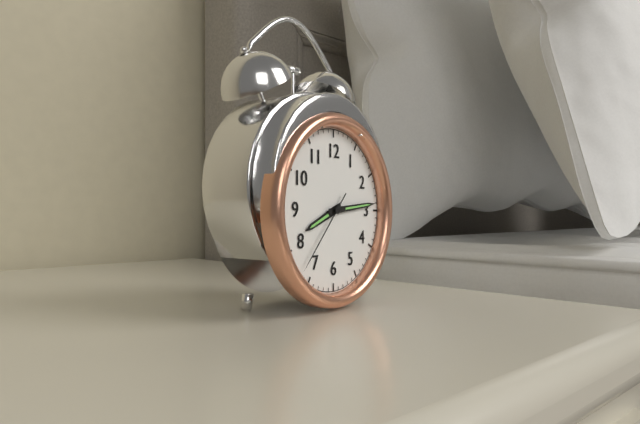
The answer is 8:14:37
